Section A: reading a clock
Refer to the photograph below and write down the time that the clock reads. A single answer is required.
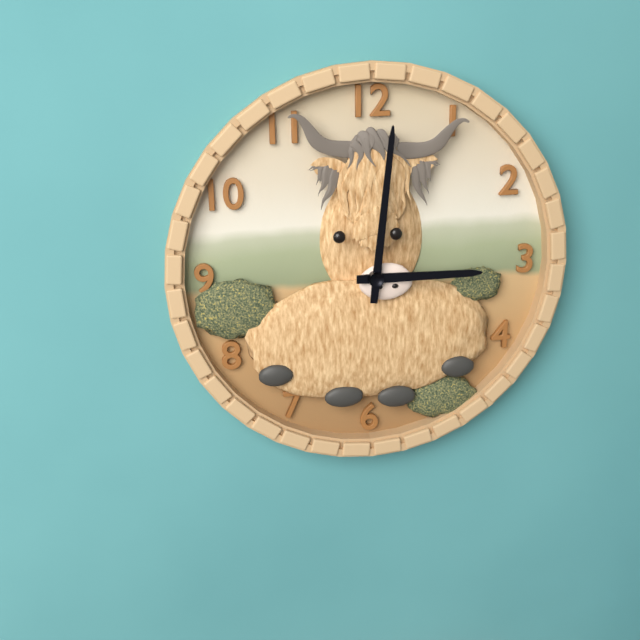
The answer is 3:01
